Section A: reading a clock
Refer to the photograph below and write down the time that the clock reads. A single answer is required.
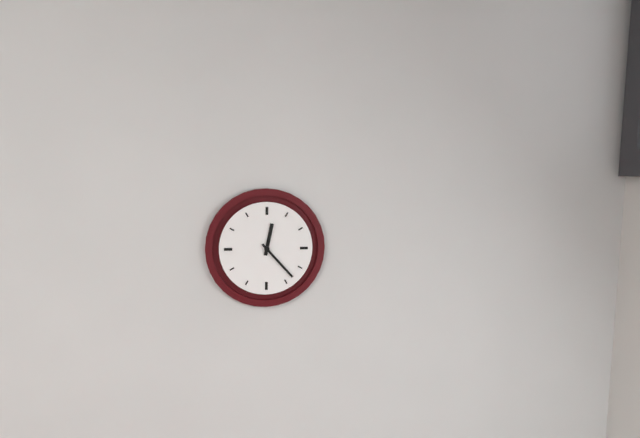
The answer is 12:23
